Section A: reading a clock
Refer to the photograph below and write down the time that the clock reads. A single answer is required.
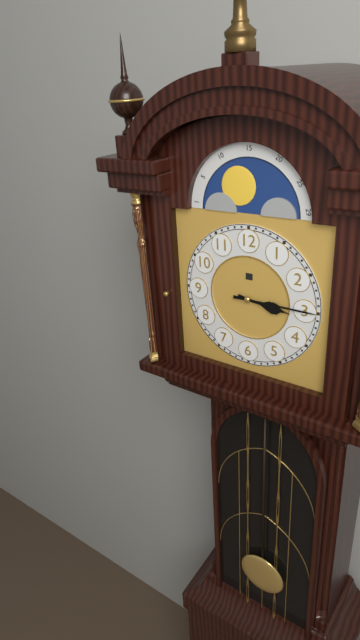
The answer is 3:15
